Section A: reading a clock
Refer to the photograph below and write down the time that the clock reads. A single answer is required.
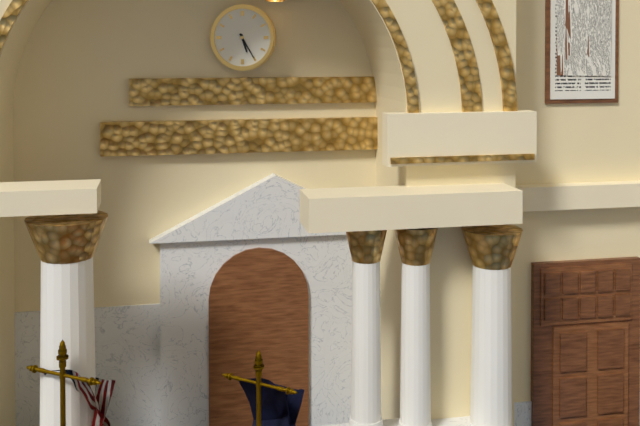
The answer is 5:25
